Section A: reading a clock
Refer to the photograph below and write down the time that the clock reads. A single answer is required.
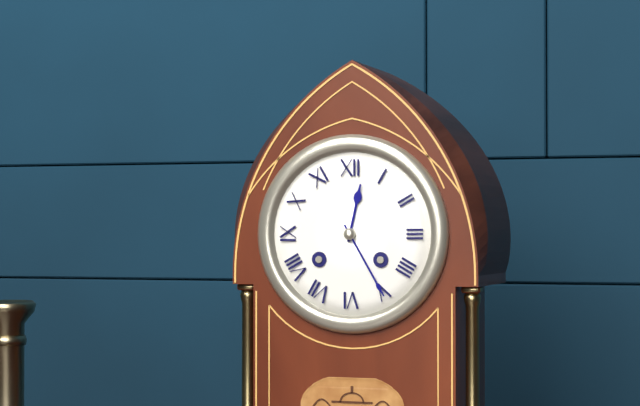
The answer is 12:25
